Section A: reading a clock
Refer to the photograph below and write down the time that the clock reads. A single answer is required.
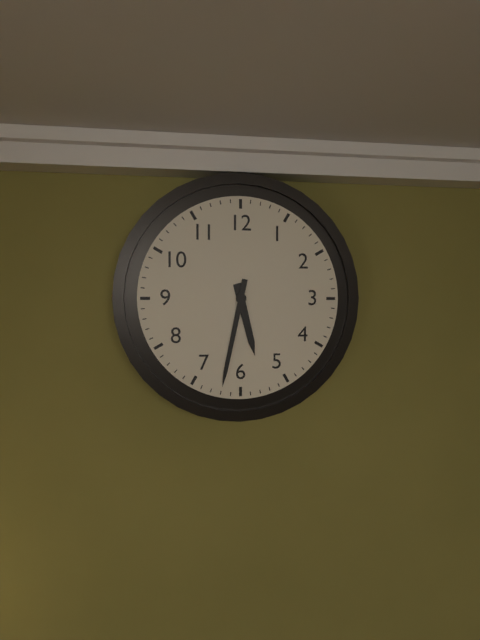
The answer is 5:32
